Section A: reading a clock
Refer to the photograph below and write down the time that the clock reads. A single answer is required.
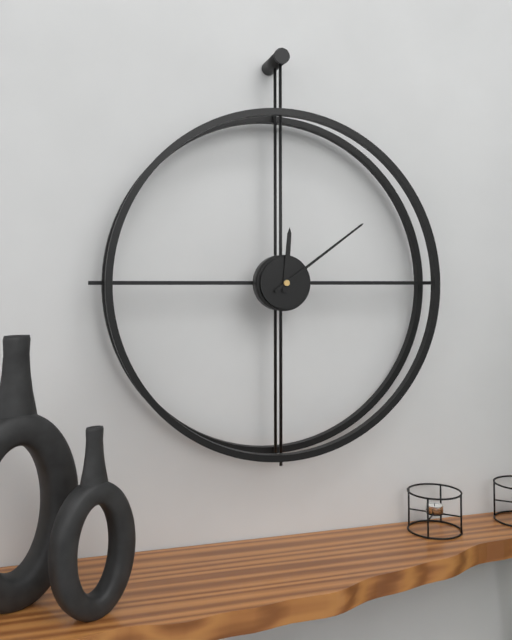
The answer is 12:09
